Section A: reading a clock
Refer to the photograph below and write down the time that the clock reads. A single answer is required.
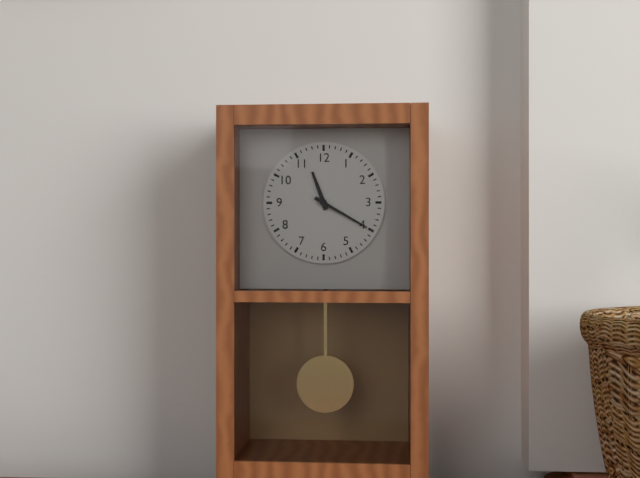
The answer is 11:20
